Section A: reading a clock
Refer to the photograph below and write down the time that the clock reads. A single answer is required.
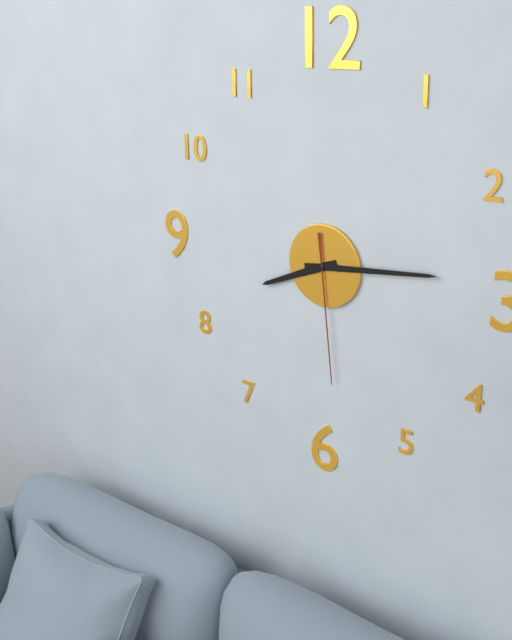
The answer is 8:14:29
